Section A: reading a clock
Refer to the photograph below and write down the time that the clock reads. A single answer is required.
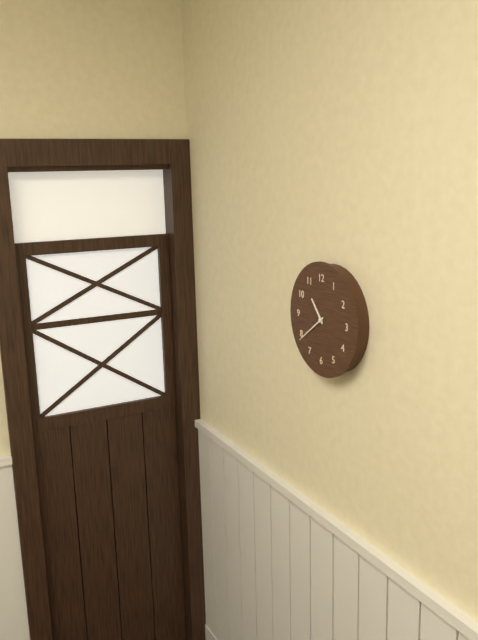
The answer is 10:39
